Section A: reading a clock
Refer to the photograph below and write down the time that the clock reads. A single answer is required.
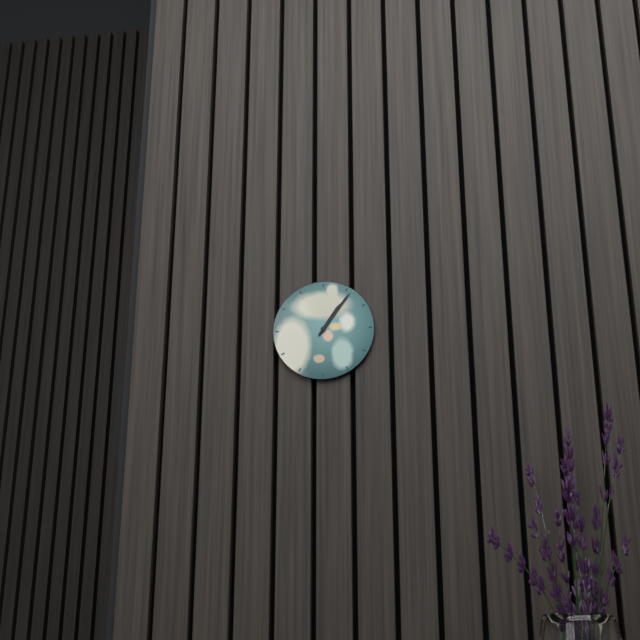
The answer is 1:06
